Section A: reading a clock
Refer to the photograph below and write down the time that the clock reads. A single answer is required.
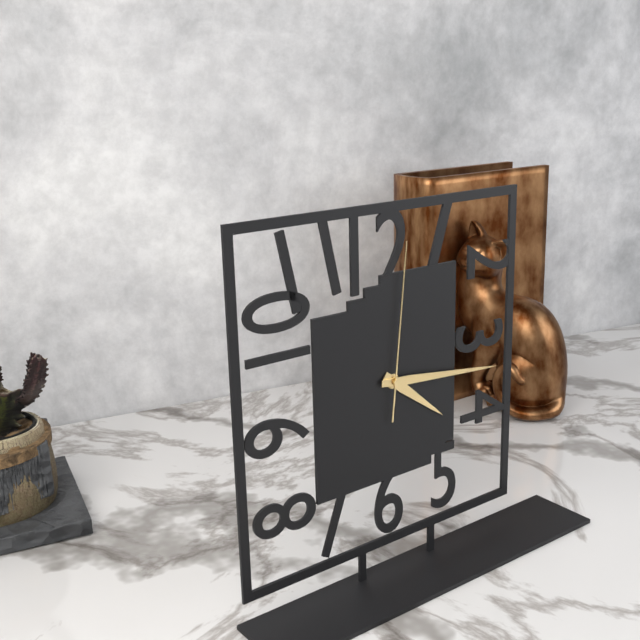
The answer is 4:16:01
